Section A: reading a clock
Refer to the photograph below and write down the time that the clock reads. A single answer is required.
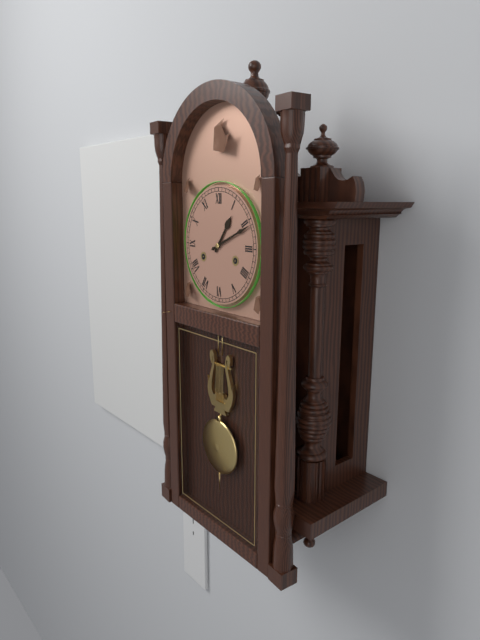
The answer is 1:11
